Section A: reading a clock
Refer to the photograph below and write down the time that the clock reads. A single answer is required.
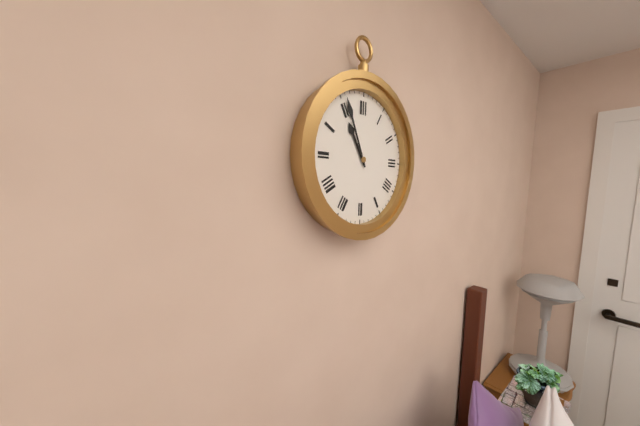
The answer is 10:56
